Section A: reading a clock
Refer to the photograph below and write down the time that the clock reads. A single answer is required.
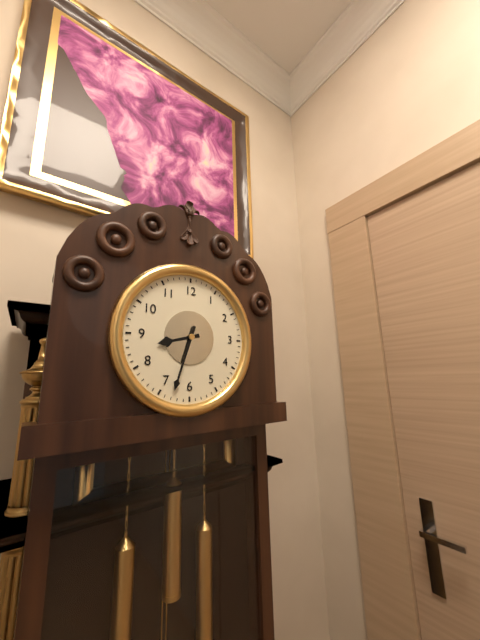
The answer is 8:33
